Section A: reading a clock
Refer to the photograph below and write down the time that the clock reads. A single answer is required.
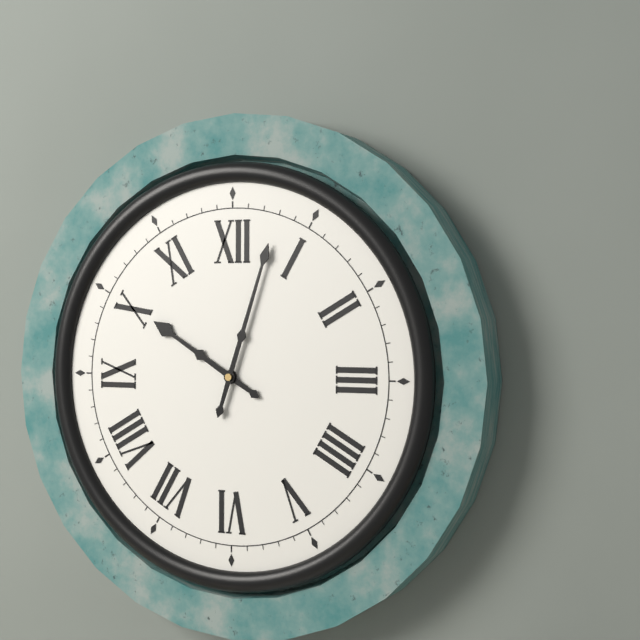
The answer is 10:03
